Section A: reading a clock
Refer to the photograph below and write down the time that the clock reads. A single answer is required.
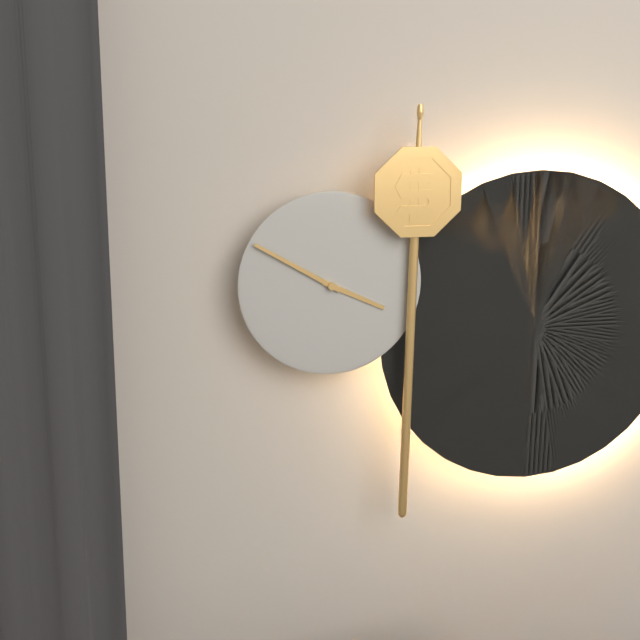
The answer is 3:50
